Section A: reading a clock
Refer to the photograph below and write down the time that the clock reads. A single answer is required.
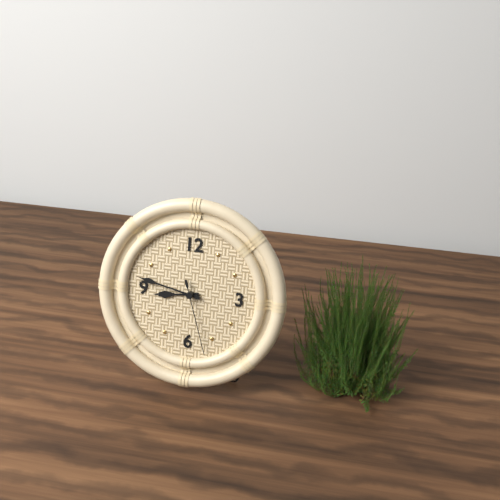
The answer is 8:47:27
